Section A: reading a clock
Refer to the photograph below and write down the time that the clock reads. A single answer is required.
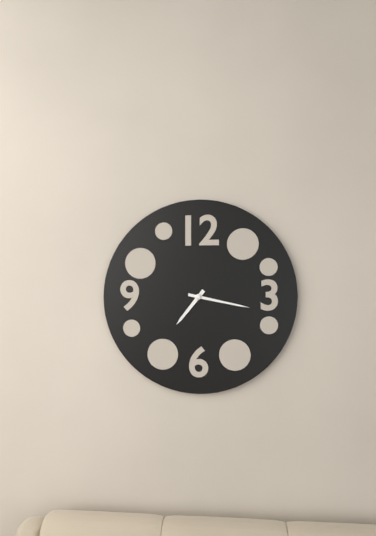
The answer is 7:17
